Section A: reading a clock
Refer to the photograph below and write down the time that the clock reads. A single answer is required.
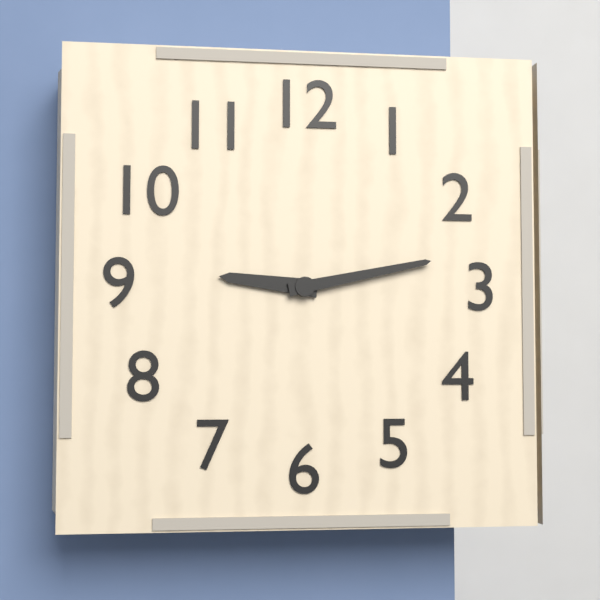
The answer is 9:13
